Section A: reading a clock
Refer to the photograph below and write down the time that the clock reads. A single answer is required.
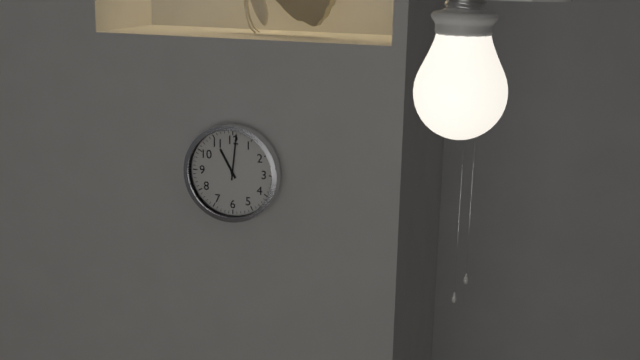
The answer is 11:01
